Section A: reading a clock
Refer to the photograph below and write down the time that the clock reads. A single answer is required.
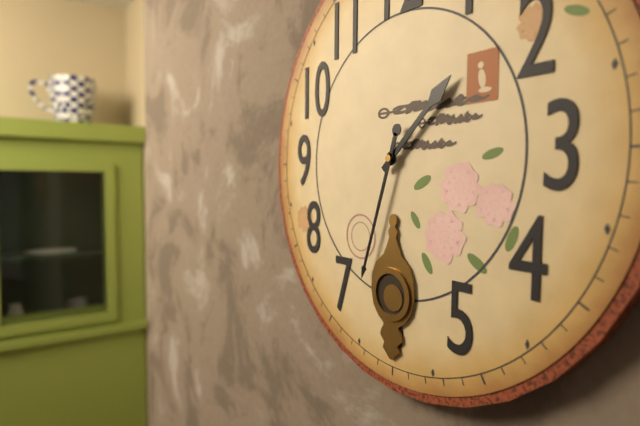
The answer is 1:33
